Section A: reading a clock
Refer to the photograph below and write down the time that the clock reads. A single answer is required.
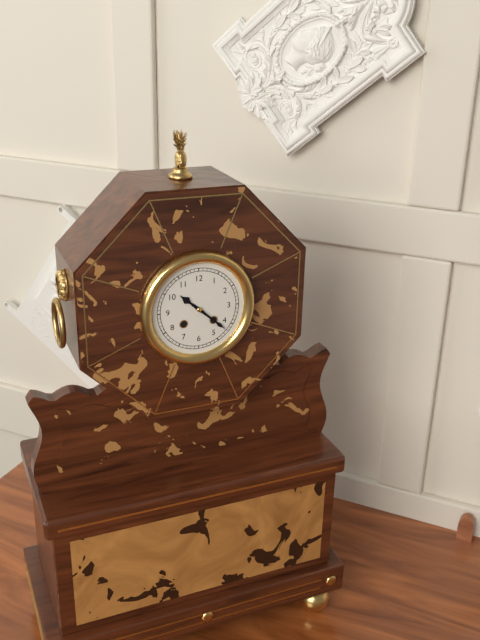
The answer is 10:22
